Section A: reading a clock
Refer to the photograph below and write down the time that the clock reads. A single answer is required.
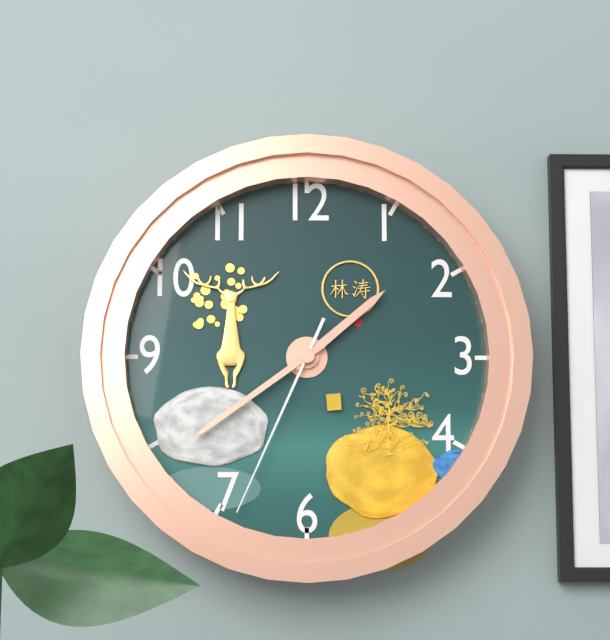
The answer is 1:39:34
